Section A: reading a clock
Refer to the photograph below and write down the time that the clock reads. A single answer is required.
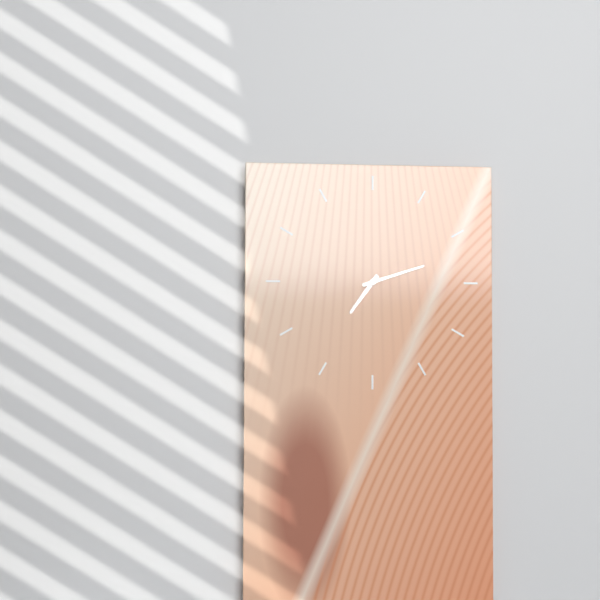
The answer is 7:12
